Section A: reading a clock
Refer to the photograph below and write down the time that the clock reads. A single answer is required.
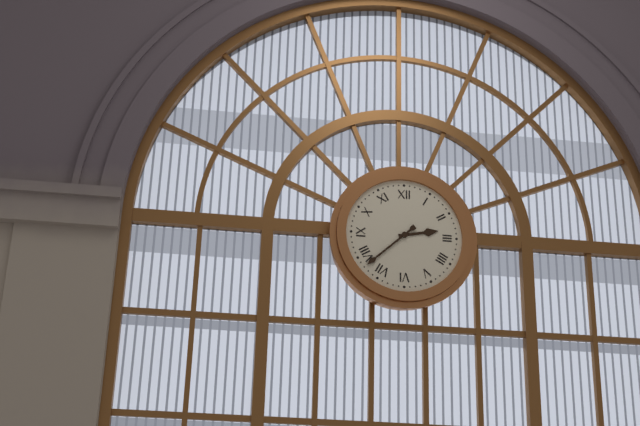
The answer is 2:38
